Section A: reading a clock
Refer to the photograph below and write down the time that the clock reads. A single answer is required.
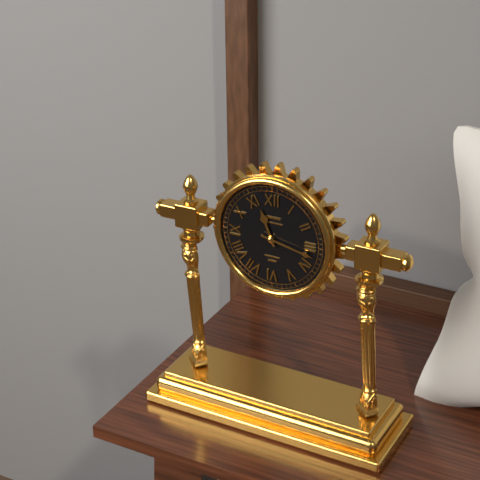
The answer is 11:17
